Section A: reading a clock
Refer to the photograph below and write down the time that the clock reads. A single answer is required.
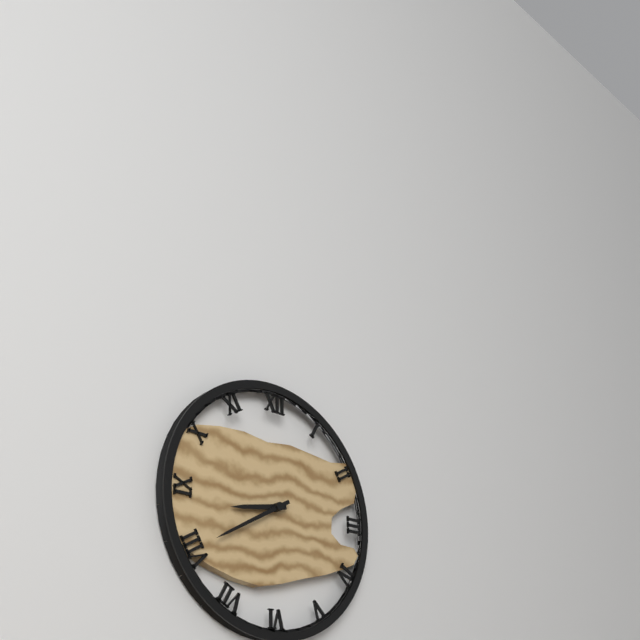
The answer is 8:40
